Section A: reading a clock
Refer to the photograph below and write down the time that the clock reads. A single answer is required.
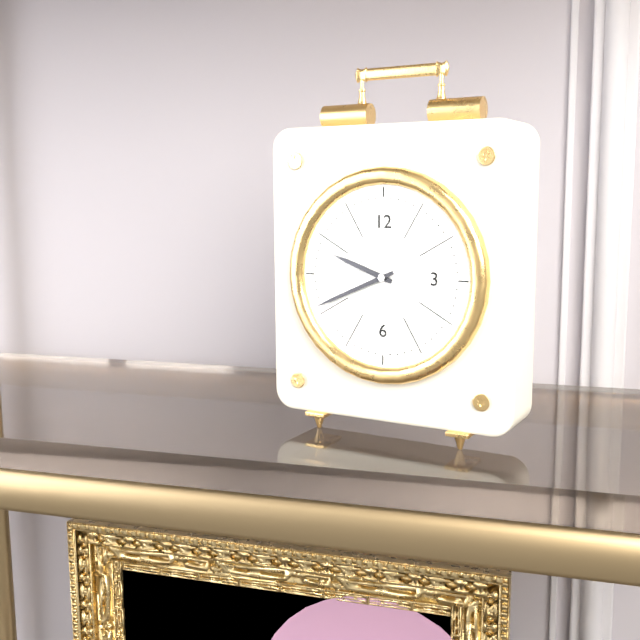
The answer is 9:41
